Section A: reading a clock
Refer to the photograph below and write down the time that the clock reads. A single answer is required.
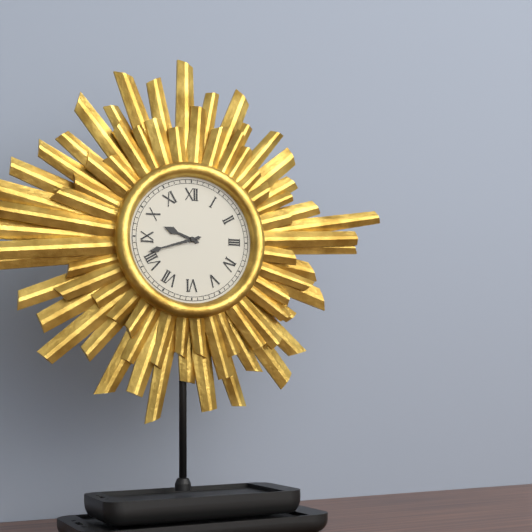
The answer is 9:42
